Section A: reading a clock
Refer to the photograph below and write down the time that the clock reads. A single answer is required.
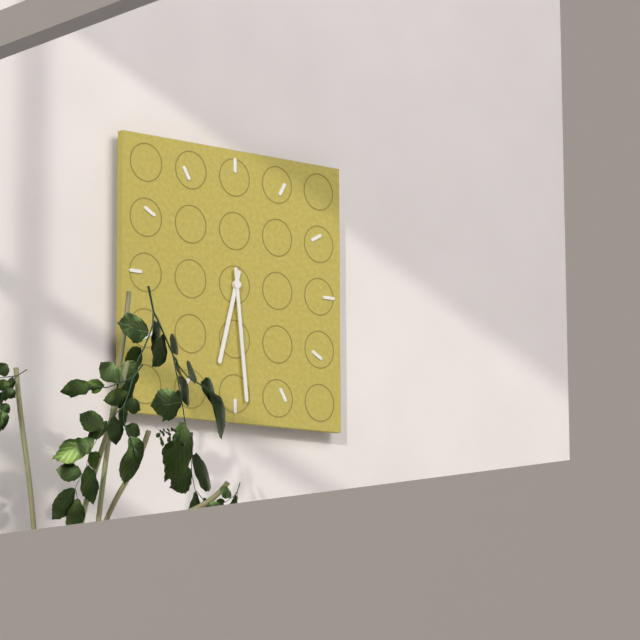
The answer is 6:29
